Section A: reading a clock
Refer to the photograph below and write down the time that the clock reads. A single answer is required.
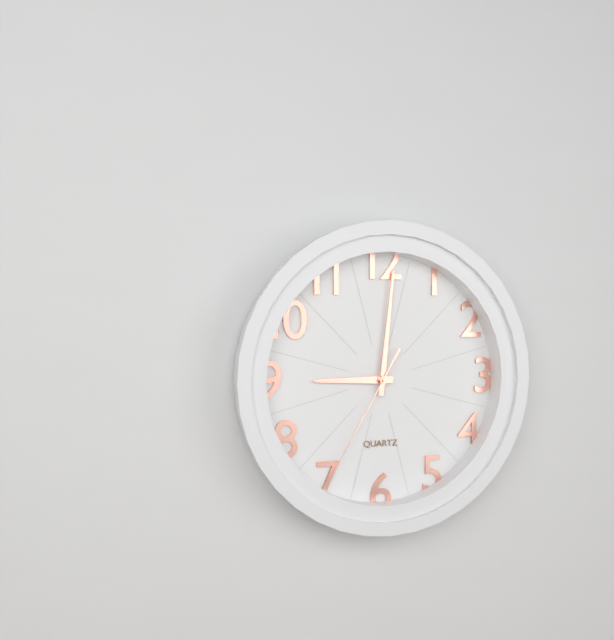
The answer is 9:01:35
